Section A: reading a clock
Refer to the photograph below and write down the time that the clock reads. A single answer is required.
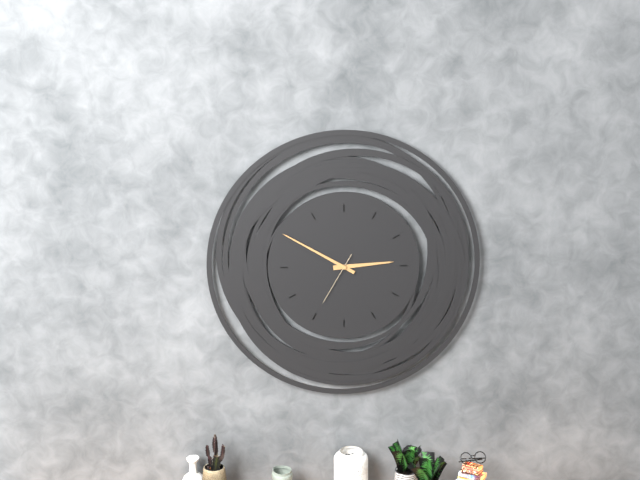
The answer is 2:50:35
